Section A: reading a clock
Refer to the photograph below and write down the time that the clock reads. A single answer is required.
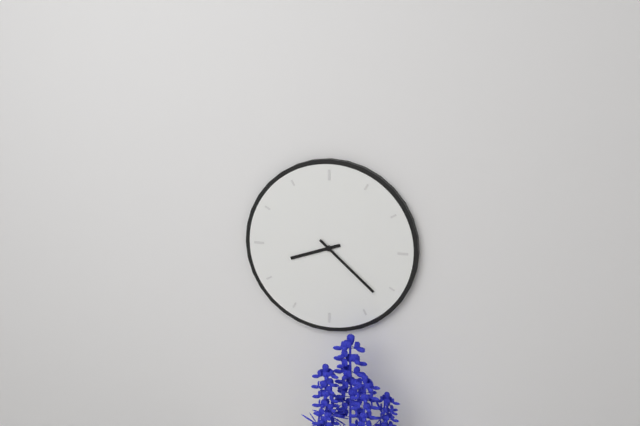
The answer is 8:22
